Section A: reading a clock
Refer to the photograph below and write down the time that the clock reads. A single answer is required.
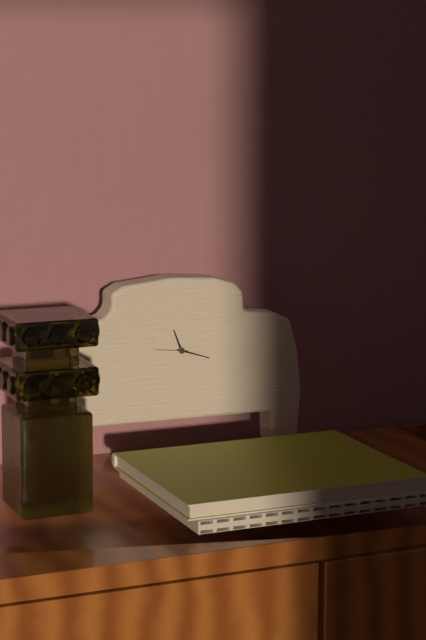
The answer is 11:18
